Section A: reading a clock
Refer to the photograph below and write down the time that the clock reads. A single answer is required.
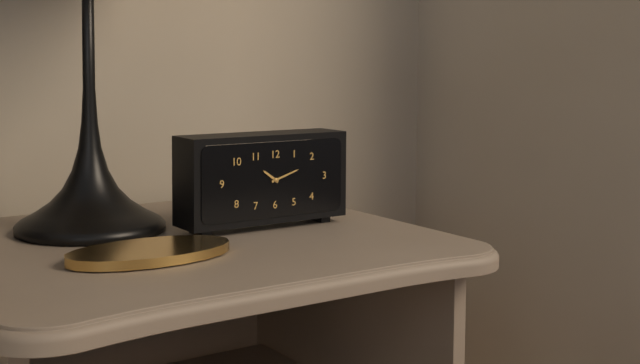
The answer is 10:12
